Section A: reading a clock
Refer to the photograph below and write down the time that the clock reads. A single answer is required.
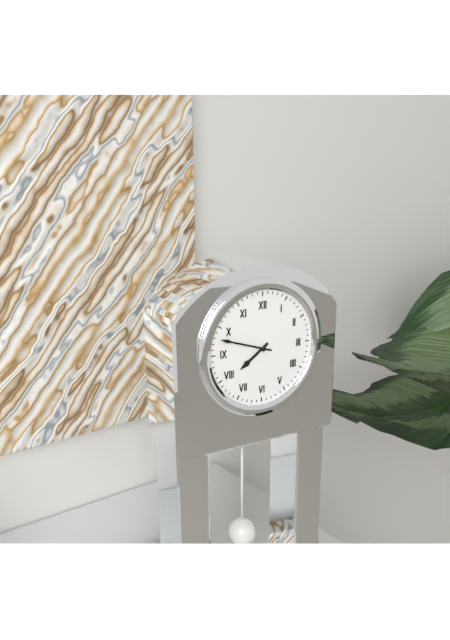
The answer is 7:48
